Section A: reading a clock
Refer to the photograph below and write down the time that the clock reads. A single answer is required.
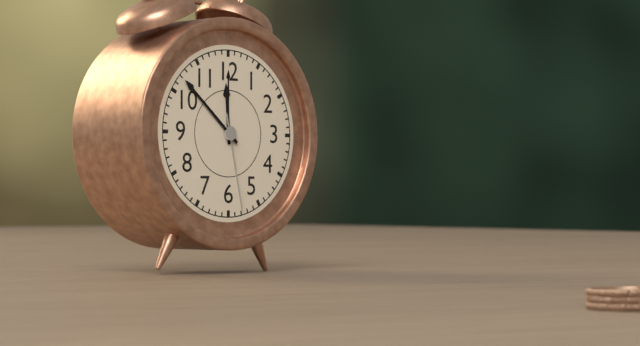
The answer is 11:52:28
